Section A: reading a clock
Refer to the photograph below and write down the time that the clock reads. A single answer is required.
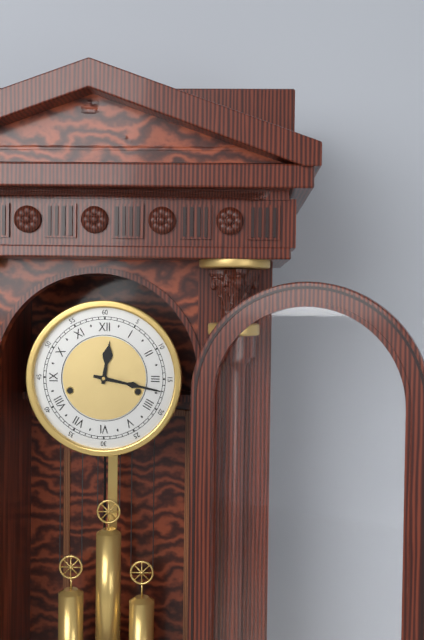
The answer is 12:17
